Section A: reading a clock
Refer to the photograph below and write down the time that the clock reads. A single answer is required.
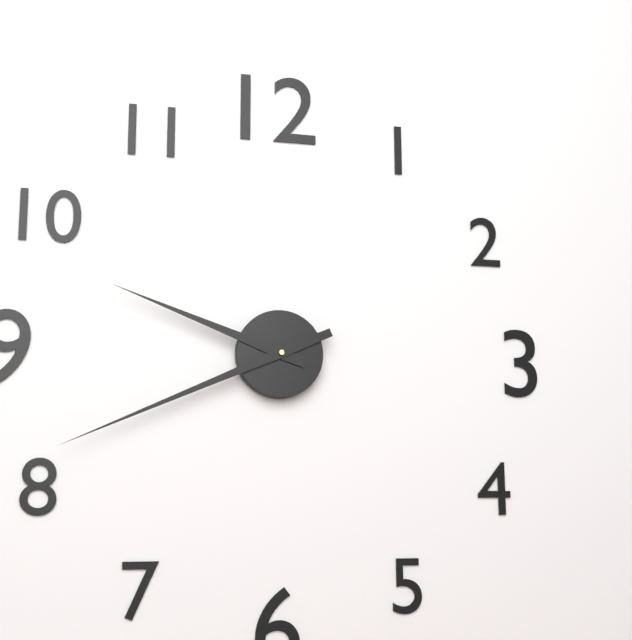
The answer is 9:41
